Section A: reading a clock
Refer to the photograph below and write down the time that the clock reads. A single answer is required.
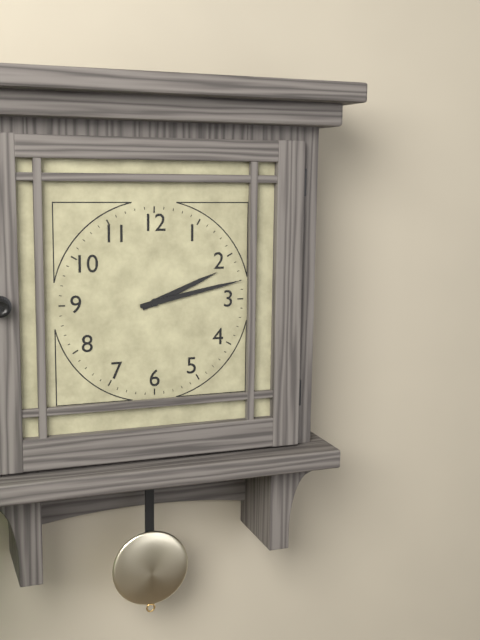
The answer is 2:13
